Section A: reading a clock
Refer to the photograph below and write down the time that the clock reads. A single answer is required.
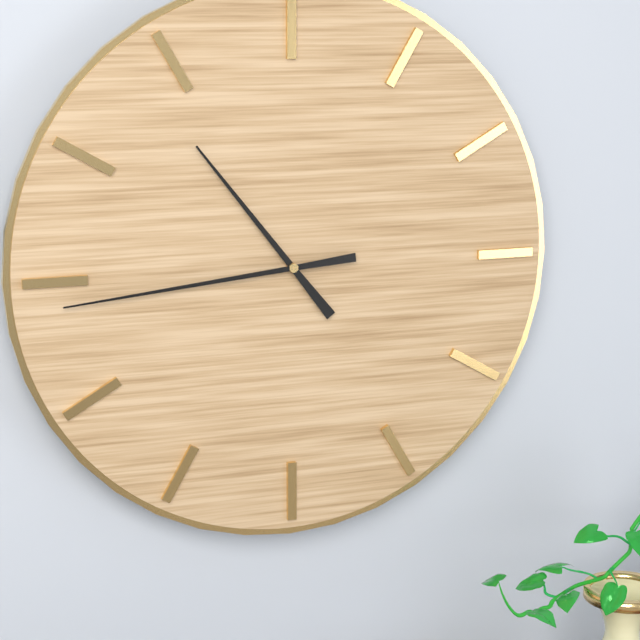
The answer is 10:44
